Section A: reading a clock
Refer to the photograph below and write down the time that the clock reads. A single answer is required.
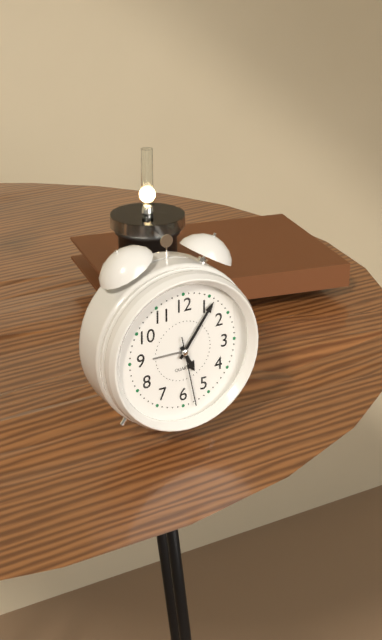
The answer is 5:06:28
